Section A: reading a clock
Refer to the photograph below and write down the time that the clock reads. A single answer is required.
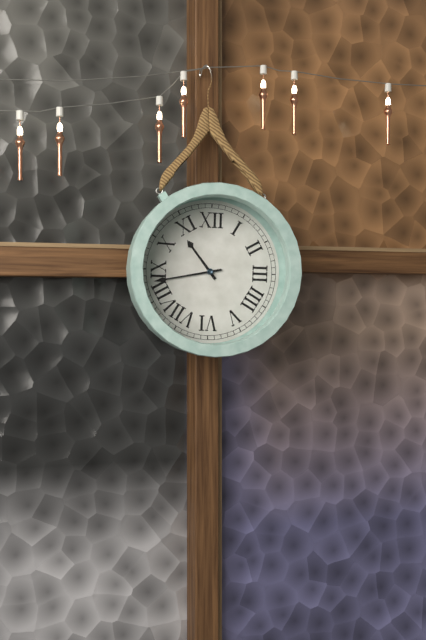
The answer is 10:43
